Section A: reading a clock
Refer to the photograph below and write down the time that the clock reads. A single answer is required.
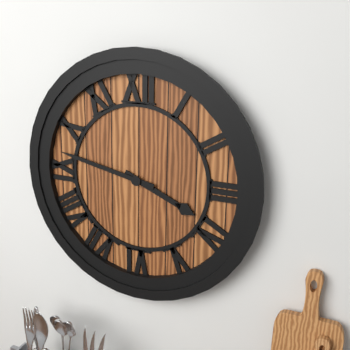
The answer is 3:47
